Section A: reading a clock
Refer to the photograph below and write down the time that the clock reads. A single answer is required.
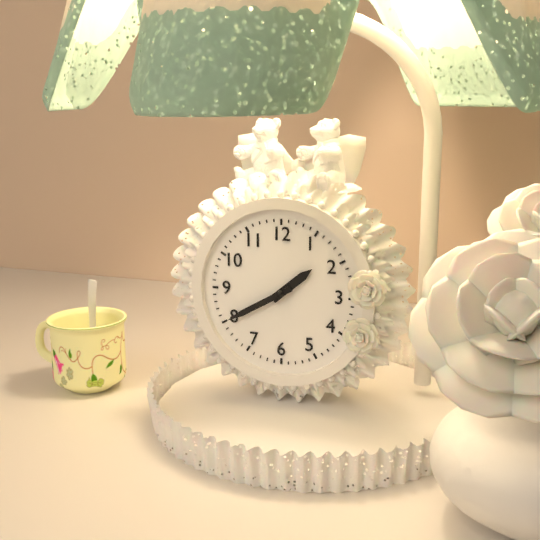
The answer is 1:40
